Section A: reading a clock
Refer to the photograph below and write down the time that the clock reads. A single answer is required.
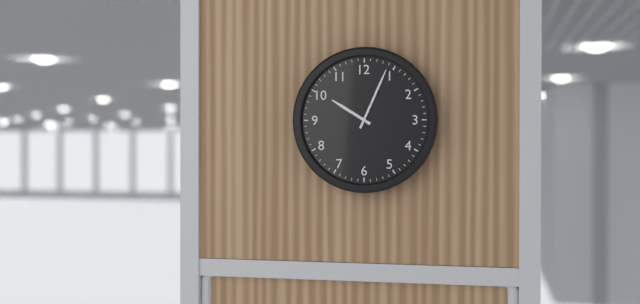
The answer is 10:04
